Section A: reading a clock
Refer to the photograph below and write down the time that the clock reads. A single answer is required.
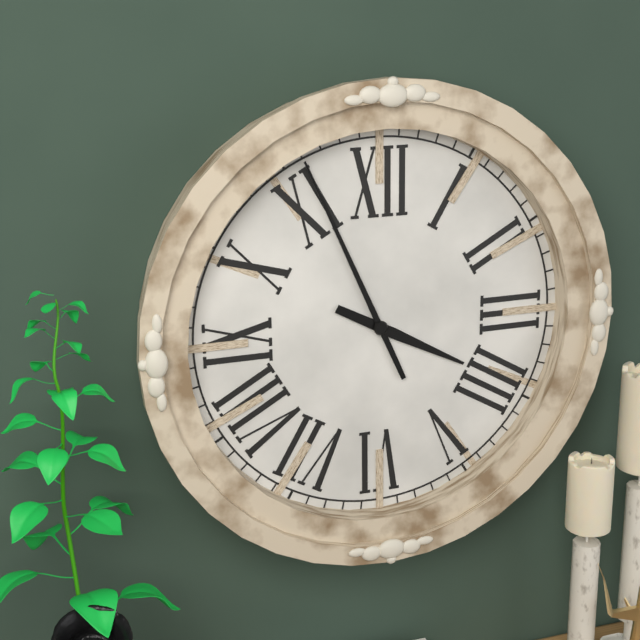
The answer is 3:56
